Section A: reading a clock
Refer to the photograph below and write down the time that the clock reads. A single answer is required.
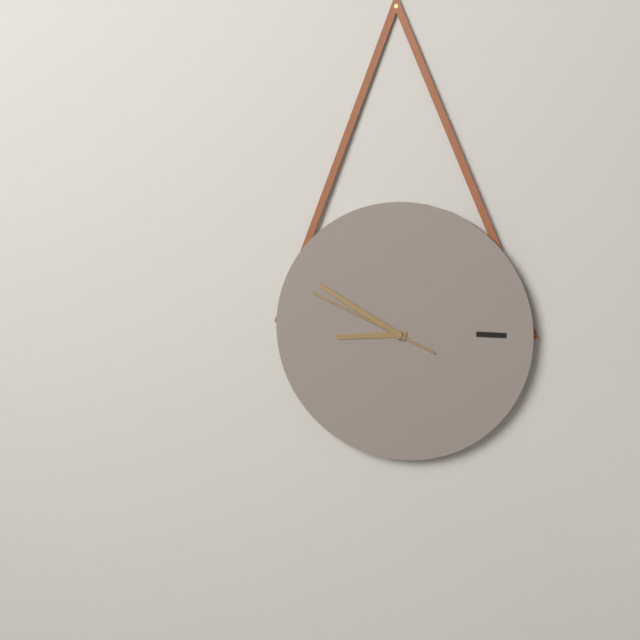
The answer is 8:50:49
